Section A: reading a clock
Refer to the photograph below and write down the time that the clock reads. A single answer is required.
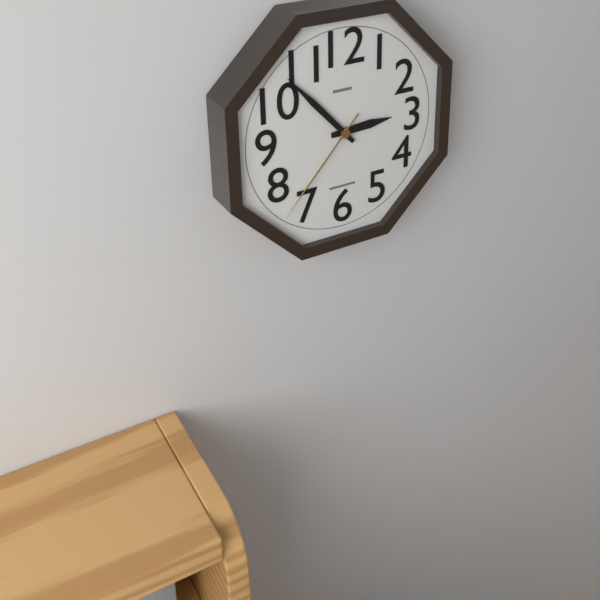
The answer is 2:53:37
